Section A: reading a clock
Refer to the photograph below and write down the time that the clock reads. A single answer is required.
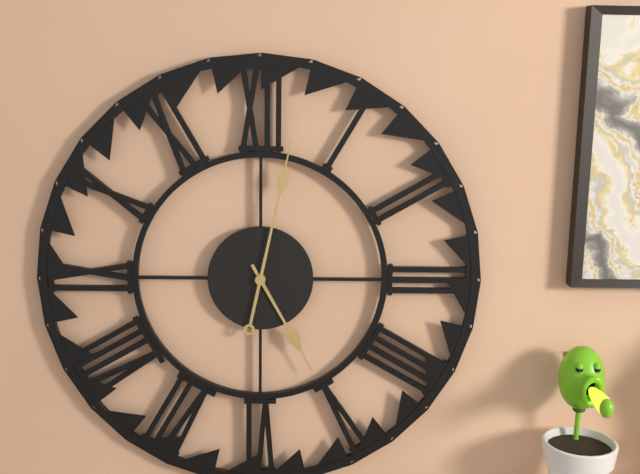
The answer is 5:02
